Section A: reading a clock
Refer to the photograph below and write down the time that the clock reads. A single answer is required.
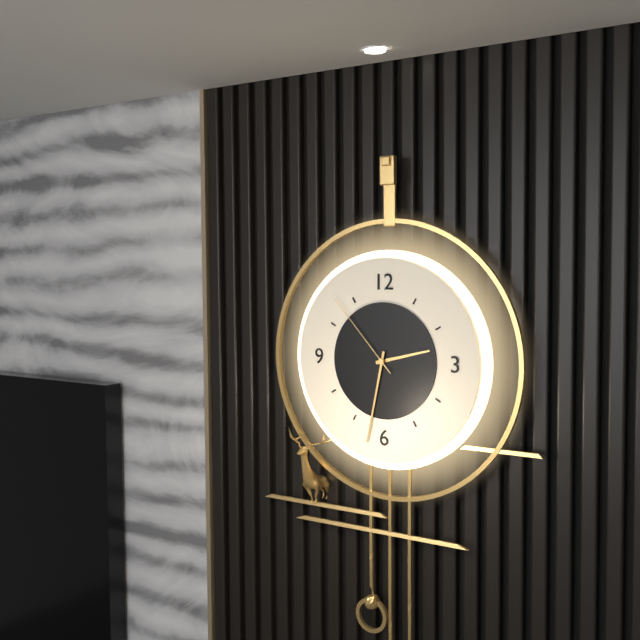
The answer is 2:32:53
